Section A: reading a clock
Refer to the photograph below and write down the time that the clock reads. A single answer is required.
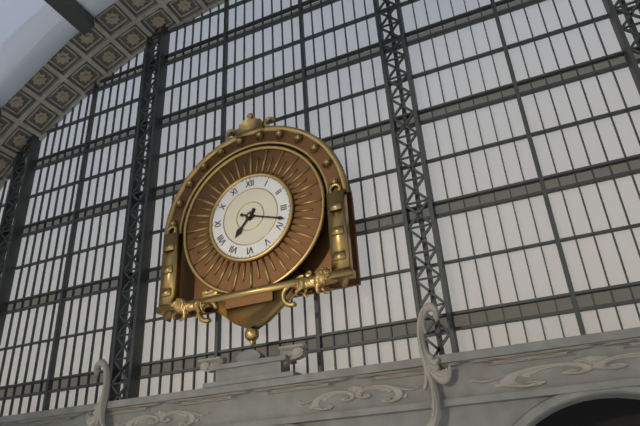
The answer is 7:18
